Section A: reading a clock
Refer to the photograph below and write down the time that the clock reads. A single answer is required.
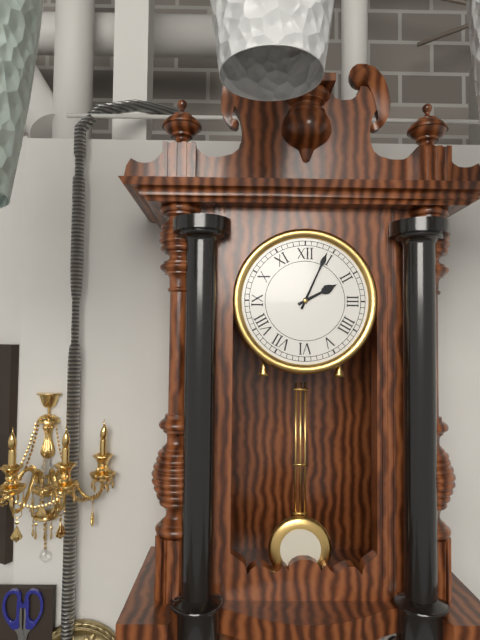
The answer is 2:04
